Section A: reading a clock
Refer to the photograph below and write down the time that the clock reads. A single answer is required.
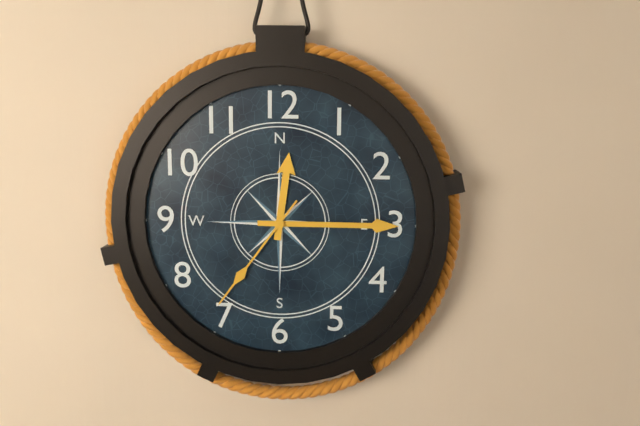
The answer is 12:15:36
